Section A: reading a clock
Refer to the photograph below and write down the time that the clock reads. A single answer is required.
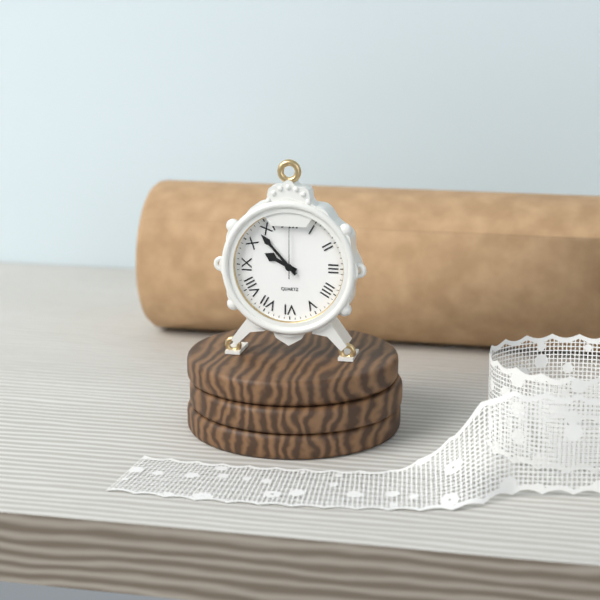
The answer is 9:53:00
